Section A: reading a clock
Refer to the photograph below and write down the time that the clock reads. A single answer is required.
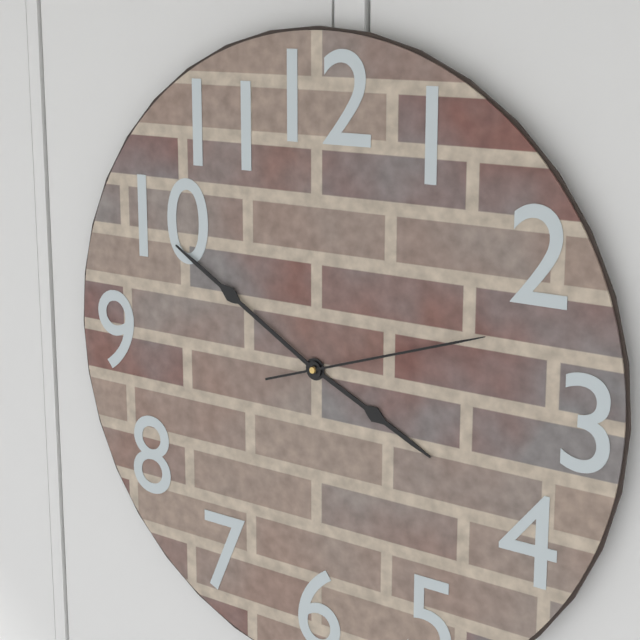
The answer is 3:50:12
